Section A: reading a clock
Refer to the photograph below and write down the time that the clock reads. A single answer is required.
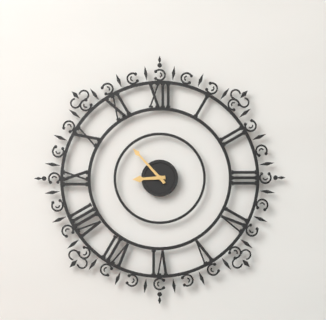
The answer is 8:53
